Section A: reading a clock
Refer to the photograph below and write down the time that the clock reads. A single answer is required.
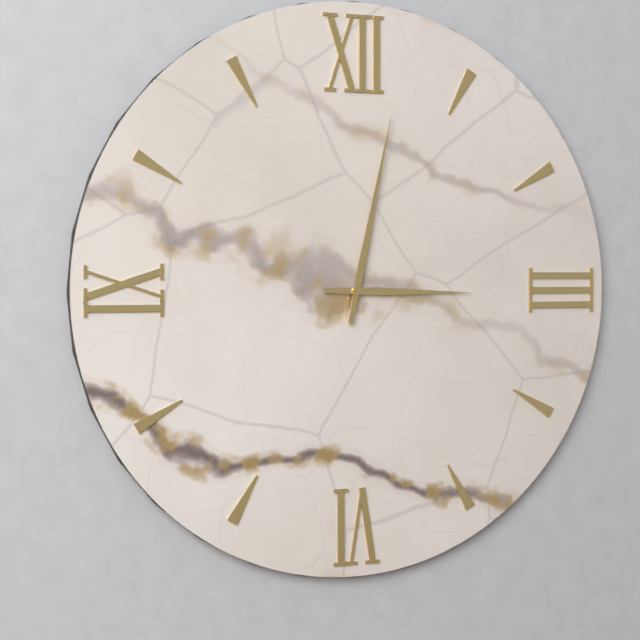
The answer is 3:02
